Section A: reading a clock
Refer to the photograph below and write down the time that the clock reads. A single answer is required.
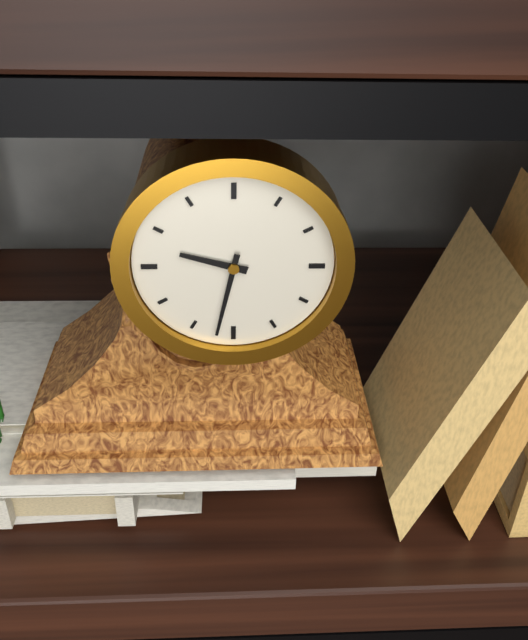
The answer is 9:32
